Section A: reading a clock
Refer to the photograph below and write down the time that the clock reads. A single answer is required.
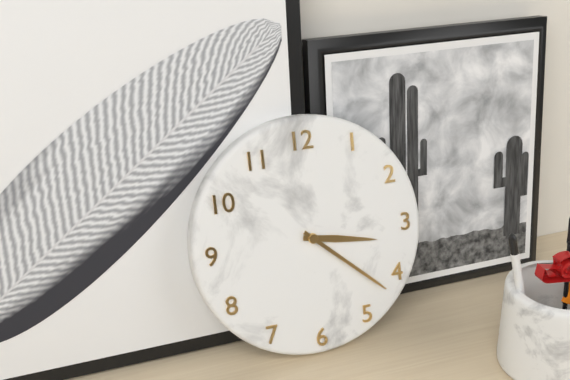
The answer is 3:22
